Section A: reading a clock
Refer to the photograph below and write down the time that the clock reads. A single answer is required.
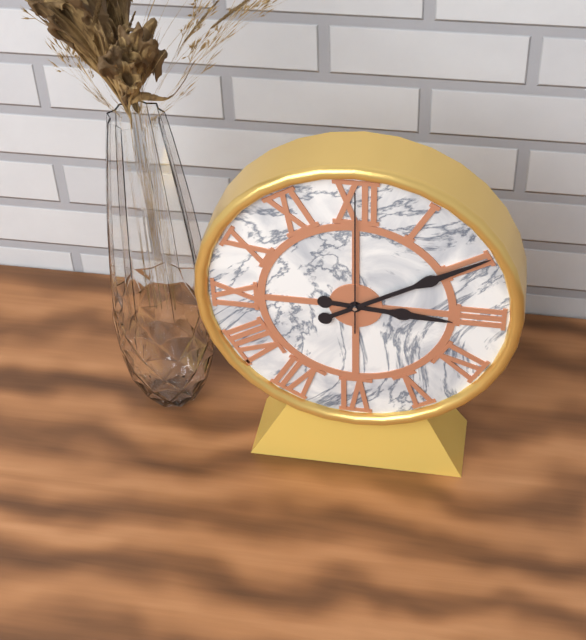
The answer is 3:10:00
